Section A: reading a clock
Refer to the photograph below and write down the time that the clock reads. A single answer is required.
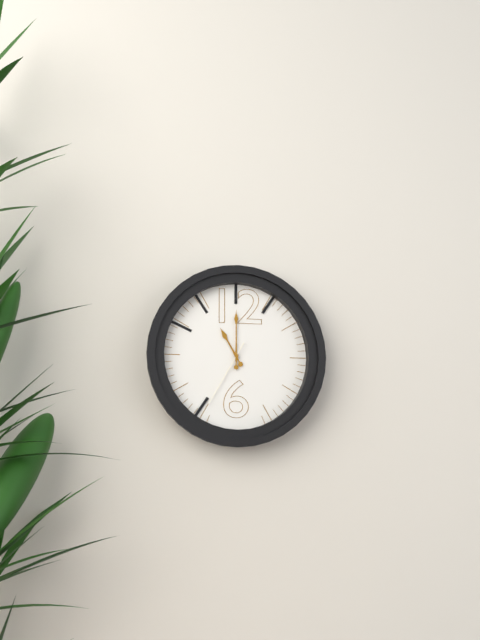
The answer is 11:00:35
